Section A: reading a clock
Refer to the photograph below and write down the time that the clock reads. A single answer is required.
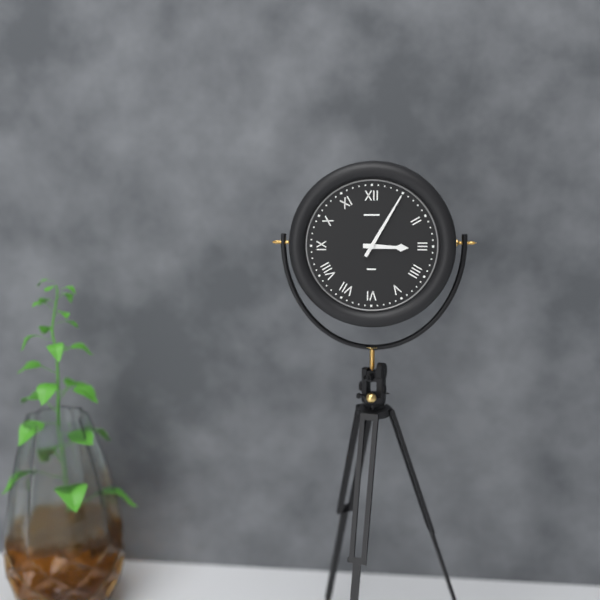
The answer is 3:05
